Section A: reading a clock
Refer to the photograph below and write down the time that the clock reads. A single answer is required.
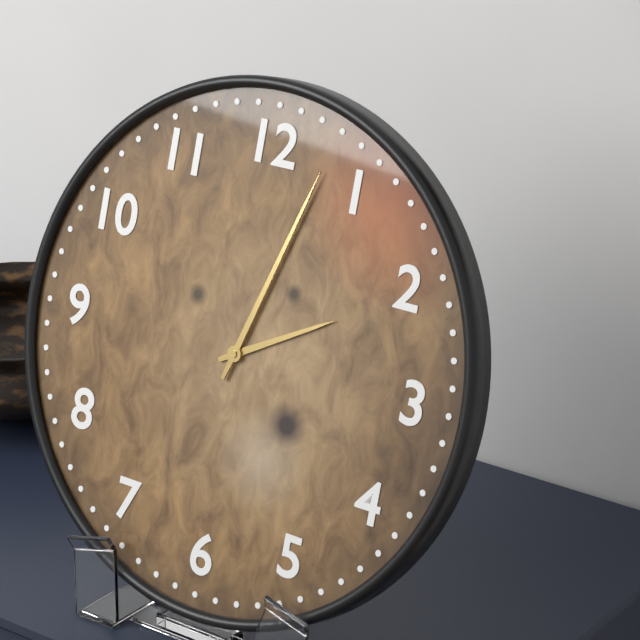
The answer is 2:03
